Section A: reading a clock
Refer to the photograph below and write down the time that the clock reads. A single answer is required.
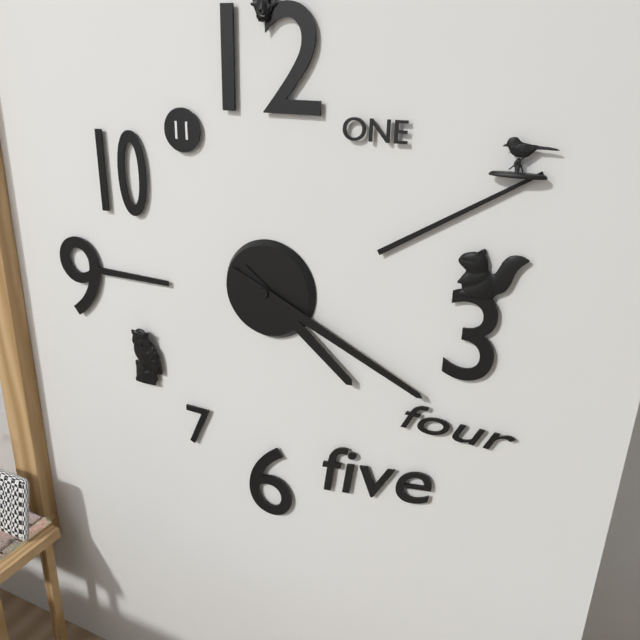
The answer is 4:19
